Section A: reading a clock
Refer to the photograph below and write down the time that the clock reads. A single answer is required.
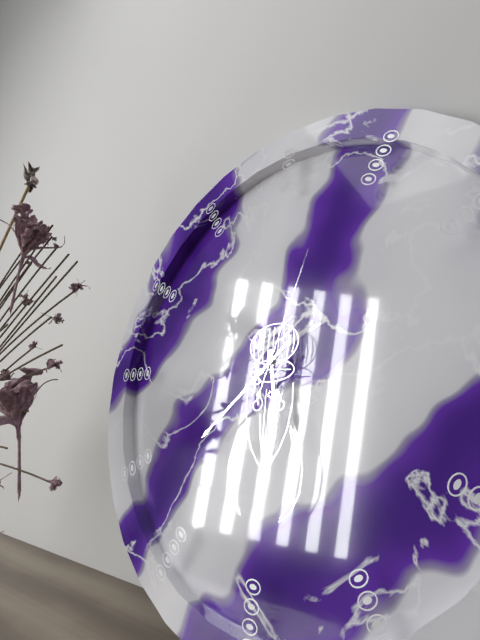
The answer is 5:38:03
